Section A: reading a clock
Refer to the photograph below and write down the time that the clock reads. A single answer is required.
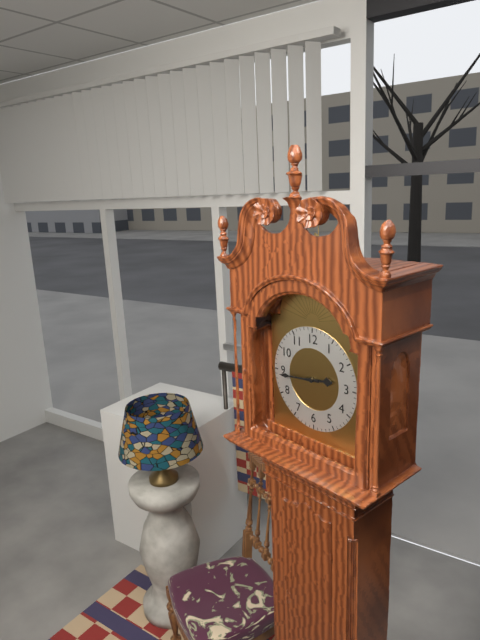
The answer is 2:44
